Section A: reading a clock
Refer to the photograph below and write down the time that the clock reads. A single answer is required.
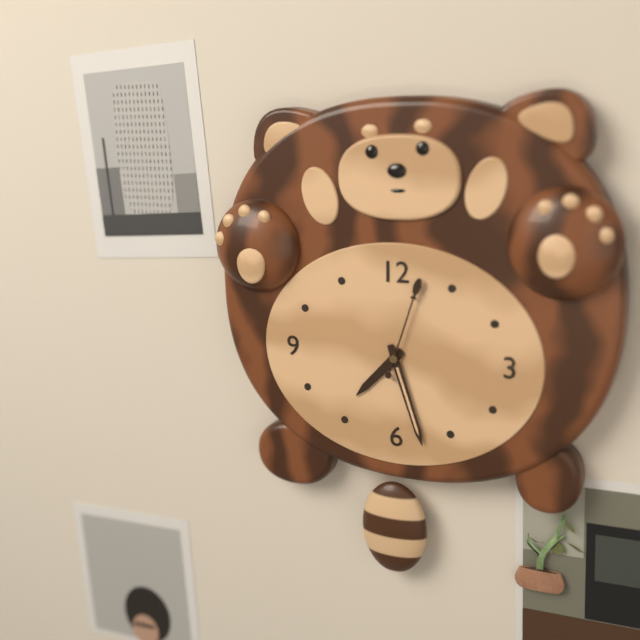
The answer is 7:27:03
